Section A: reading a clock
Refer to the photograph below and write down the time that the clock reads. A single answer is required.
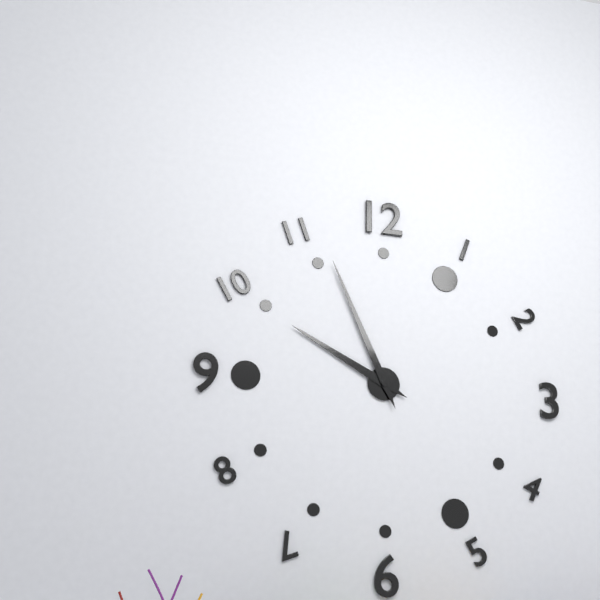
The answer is 9:56
